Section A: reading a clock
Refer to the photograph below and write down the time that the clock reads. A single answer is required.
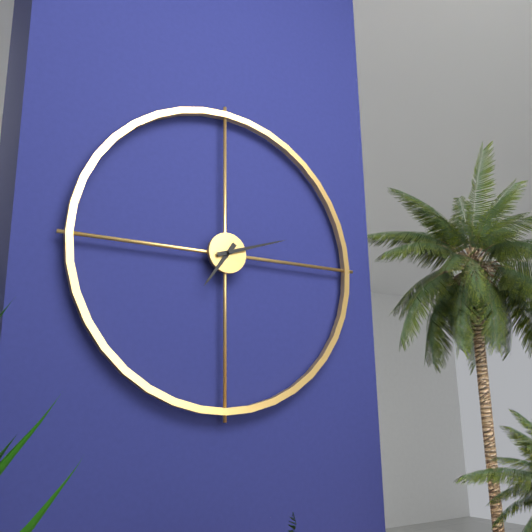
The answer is 7:12
